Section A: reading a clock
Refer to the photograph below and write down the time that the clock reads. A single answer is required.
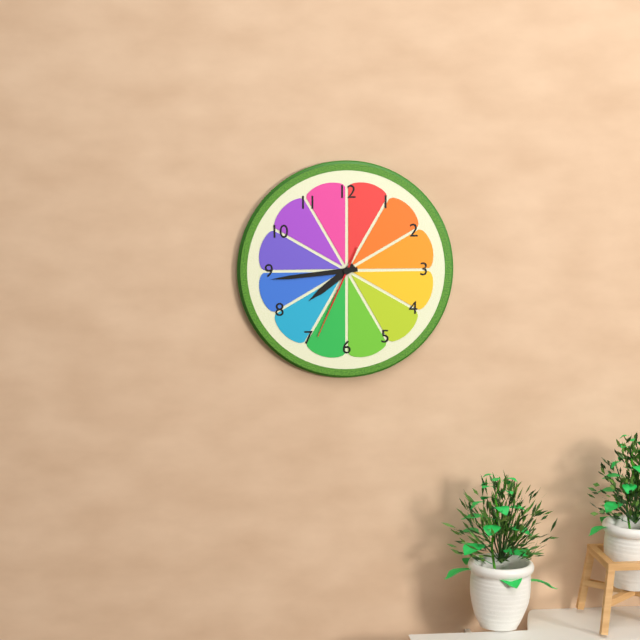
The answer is 7:44:34
